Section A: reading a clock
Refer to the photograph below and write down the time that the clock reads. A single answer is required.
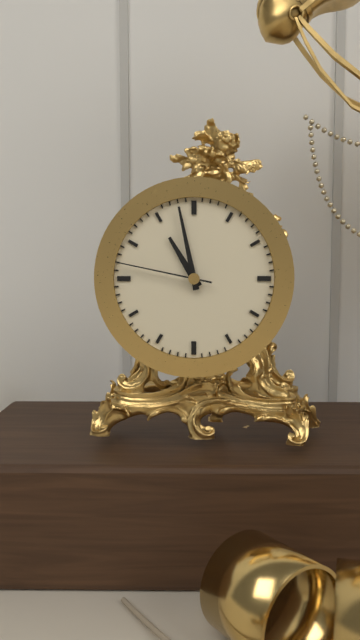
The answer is 10:58:47
